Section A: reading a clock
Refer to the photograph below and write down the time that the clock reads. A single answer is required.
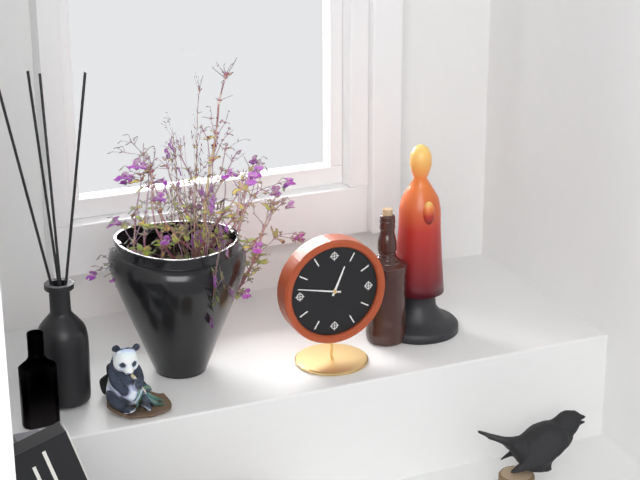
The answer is 12:47
